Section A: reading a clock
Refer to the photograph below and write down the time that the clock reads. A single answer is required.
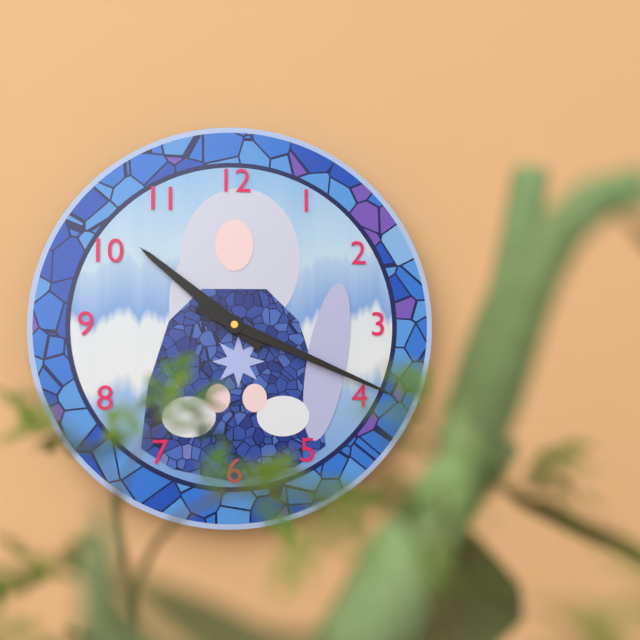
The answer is 10:19
